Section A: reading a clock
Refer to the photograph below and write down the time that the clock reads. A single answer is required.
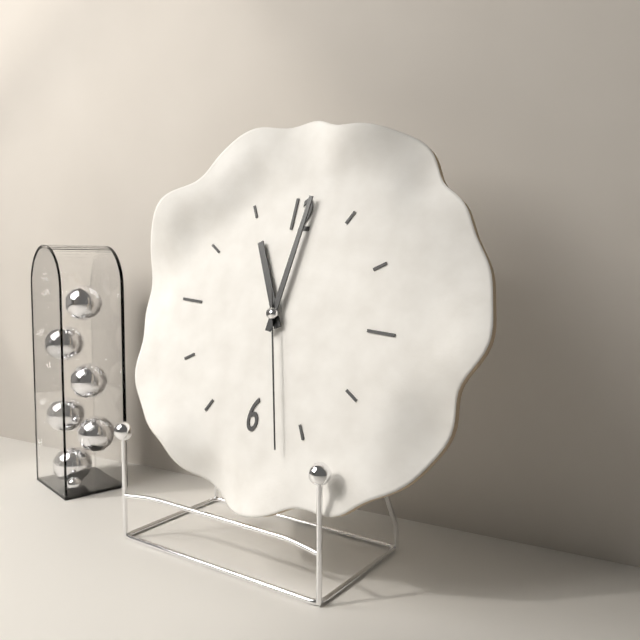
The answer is 11:01:27
